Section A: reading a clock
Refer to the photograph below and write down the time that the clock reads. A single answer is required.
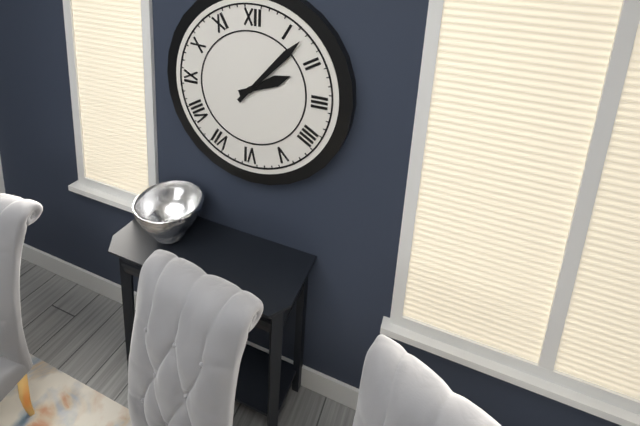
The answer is 2:07
